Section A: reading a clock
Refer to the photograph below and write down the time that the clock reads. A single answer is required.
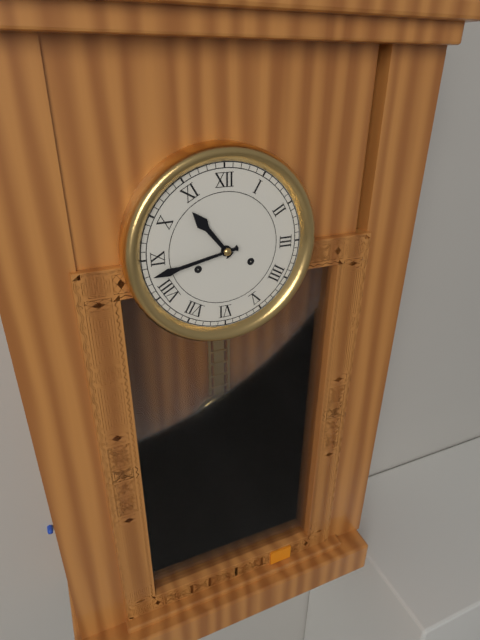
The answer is 10:43
